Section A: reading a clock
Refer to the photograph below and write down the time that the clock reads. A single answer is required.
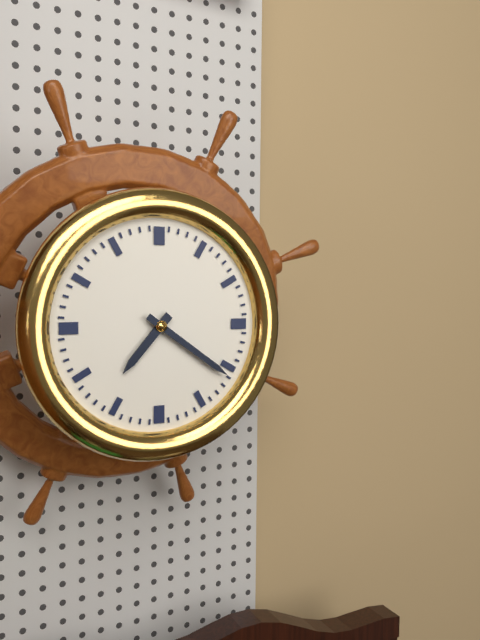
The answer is 7:21
